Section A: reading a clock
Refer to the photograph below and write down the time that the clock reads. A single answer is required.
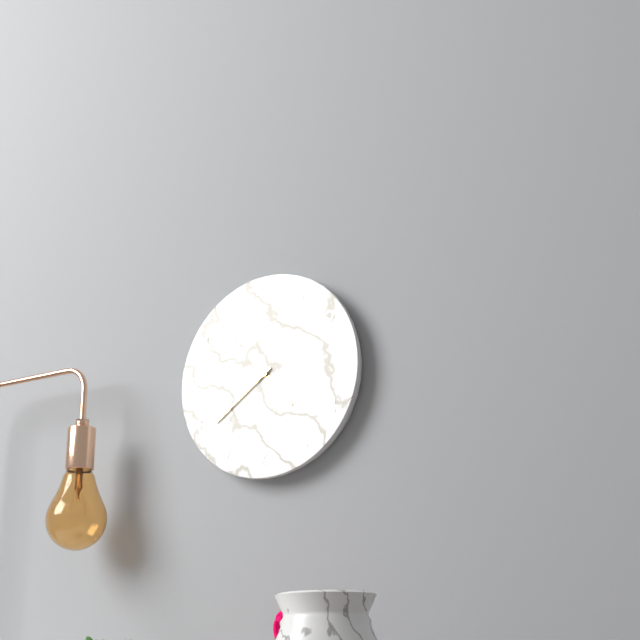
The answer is 4:39
